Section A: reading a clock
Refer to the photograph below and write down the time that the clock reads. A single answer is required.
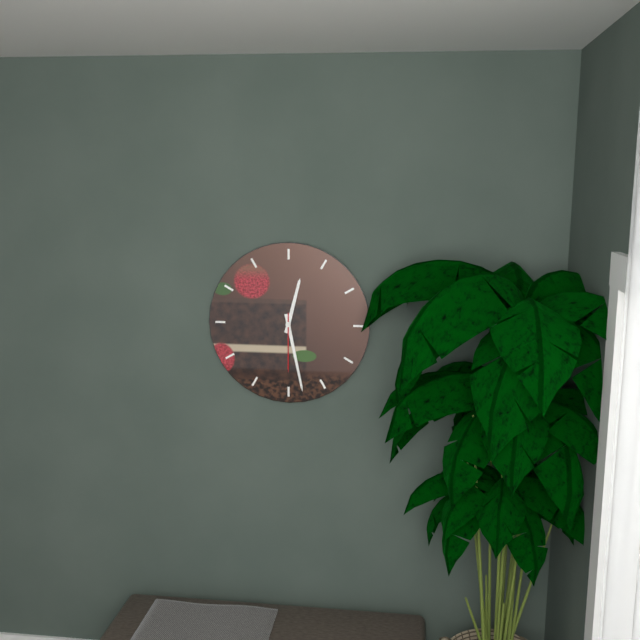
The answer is 12:28:30
